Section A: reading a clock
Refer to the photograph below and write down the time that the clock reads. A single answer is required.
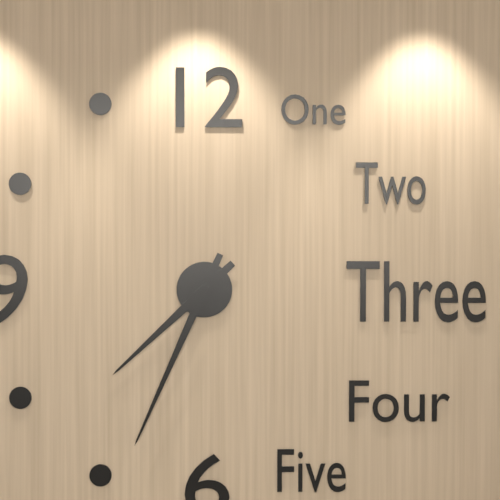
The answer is 7:34
